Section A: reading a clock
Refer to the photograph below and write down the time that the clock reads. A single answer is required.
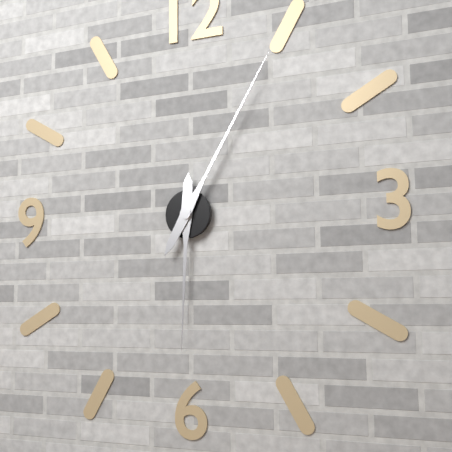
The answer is 6:05
